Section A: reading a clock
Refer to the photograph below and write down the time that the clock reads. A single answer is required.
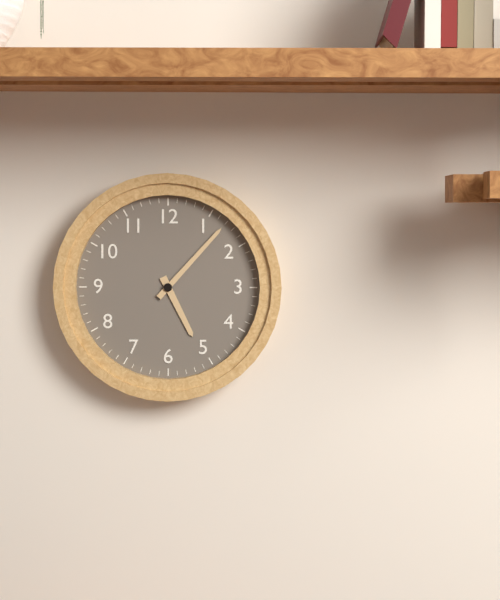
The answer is 5:07
